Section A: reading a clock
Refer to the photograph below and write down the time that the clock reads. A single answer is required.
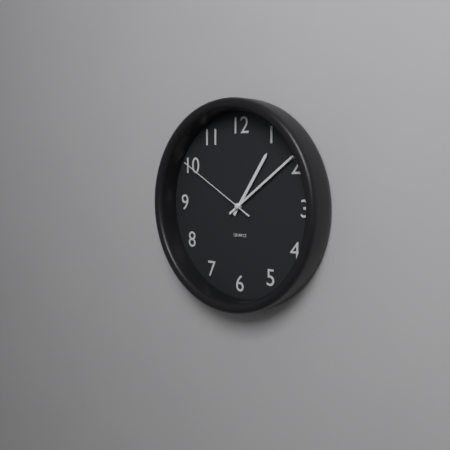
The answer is 1:09:50
